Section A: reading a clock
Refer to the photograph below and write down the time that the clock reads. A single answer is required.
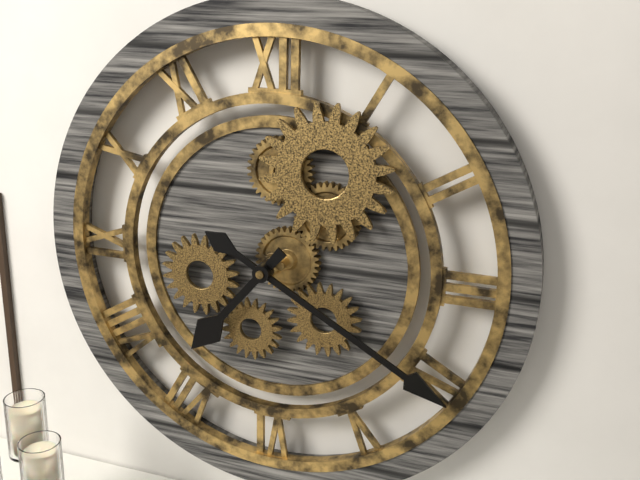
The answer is 7:20
